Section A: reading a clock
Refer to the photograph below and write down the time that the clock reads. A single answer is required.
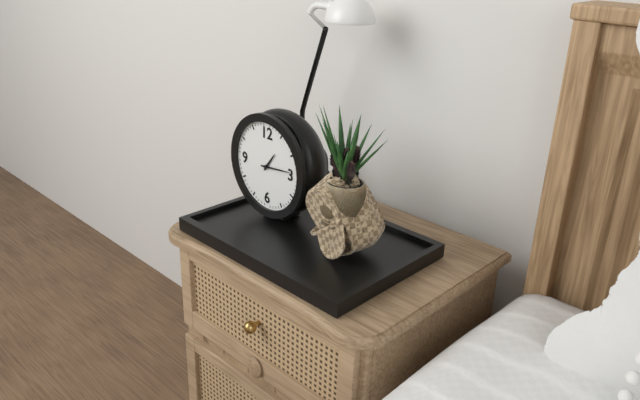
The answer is 1:14
